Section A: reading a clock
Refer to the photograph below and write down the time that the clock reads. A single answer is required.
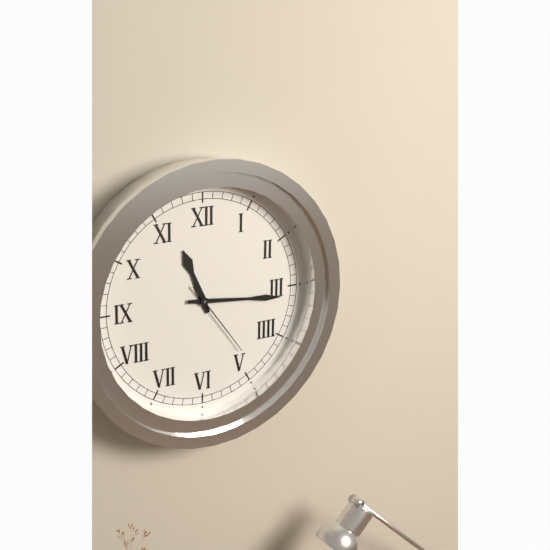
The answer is 11:16:24
